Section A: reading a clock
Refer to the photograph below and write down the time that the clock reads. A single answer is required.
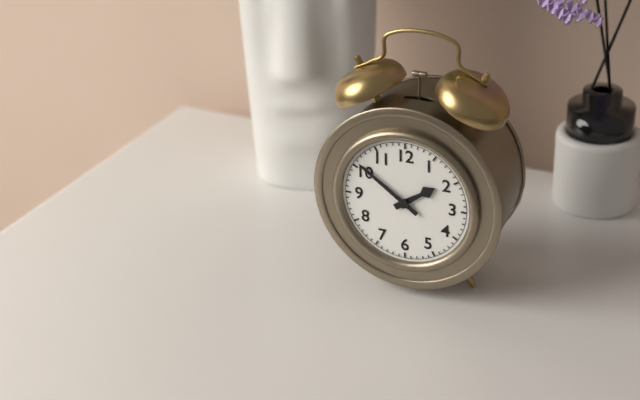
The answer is 1:51
